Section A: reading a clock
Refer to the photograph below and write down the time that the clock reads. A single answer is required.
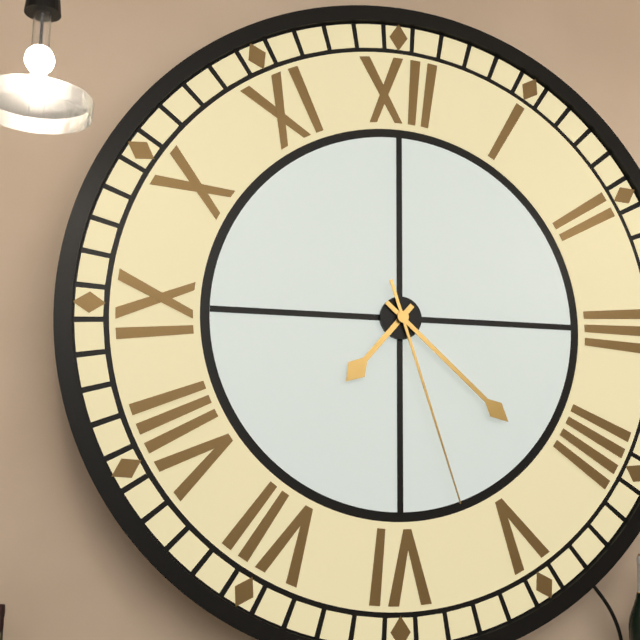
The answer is 7:22:27
